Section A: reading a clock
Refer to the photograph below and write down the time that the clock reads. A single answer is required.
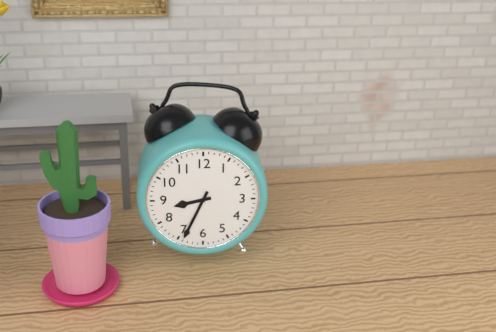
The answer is 8:34
